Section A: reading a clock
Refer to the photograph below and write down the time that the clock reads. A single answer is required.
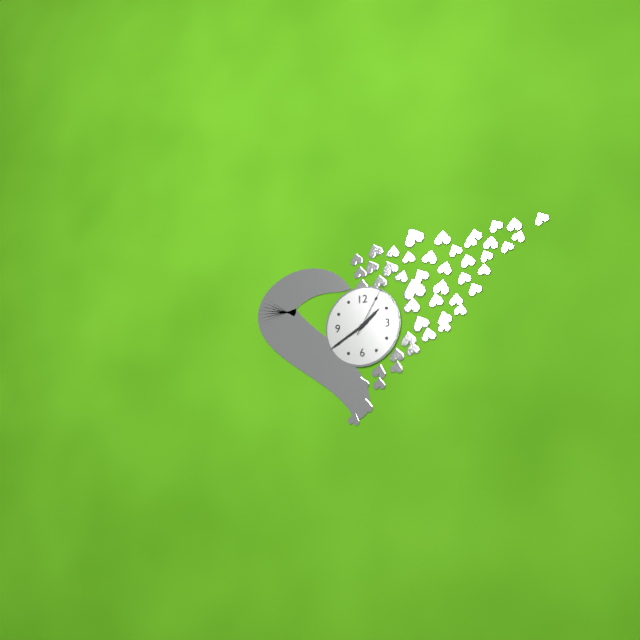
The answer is 1:40:05
